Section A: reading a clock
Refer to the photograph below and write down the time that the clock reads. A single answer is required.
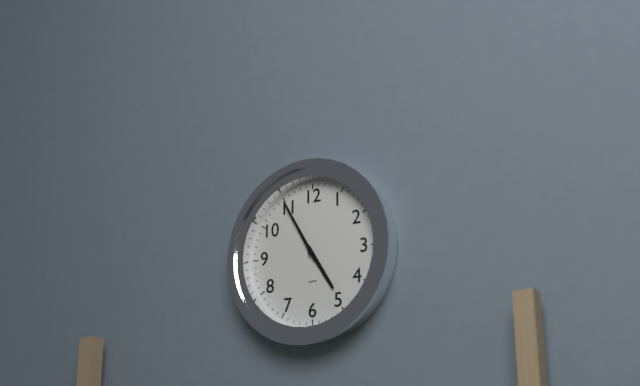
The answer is 4:55
